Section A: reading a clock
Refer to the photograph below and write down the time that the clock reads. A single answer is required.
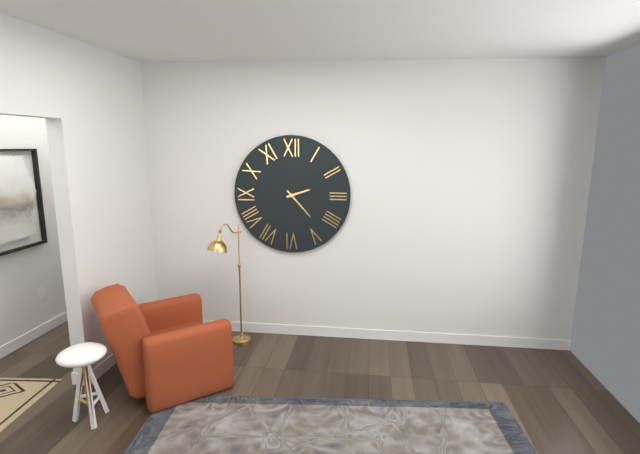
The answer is 2:23
